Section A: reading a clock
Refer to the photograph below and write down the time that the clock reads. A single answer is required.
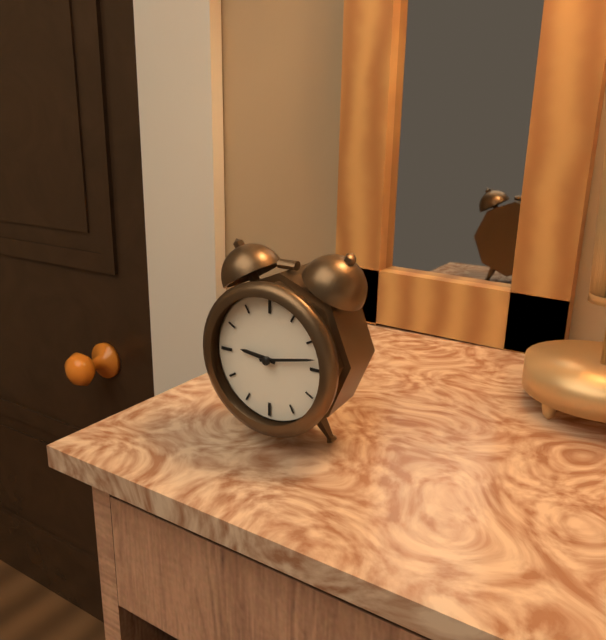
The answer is 9:13
